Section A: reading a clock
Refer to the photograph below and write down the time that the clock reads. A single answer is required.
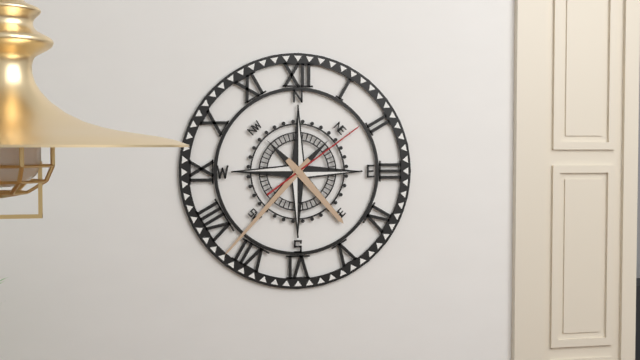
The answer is 4:37:09
